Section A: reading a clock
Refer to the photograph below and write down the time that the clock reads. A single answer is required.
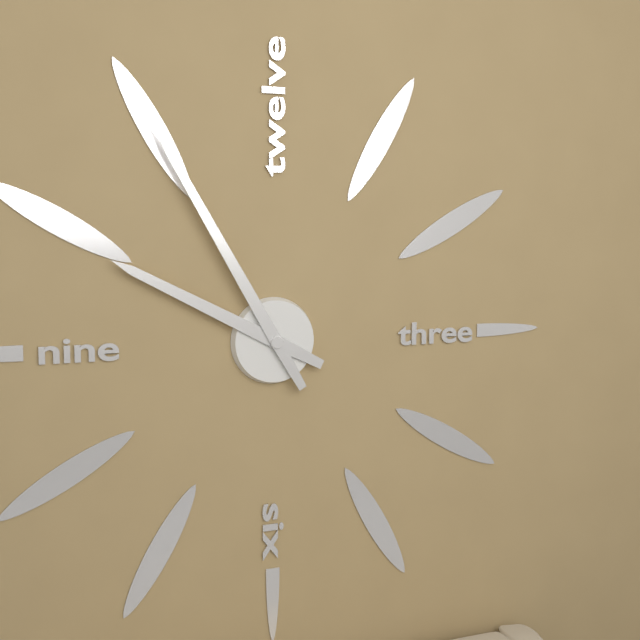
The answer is 9:55
